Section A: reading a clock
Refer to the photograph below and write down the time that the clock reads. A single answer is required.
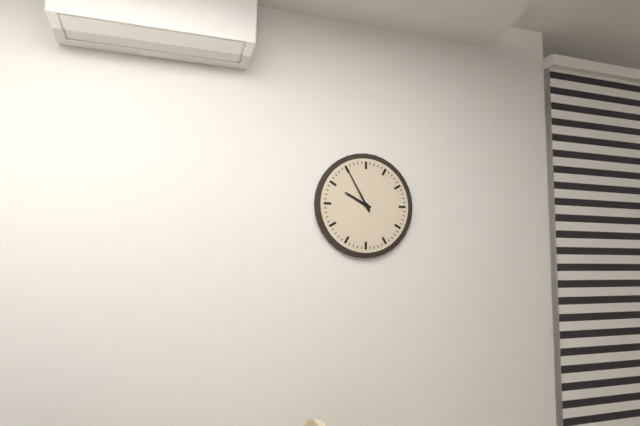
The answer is 9:55
